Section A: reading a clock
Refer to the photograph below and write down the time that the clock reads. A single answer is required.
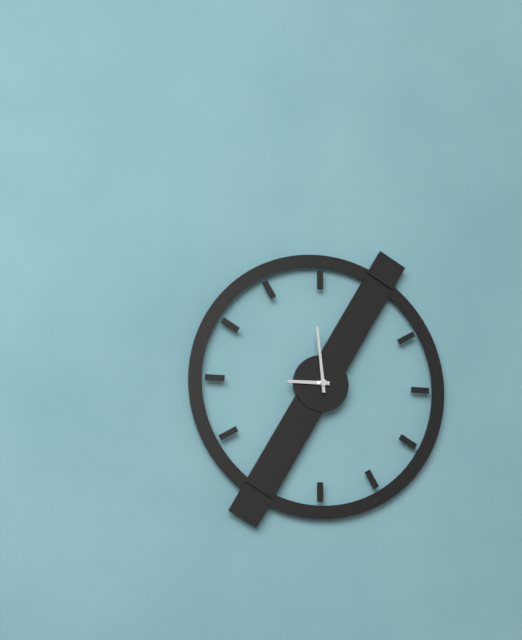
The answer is 8:59
